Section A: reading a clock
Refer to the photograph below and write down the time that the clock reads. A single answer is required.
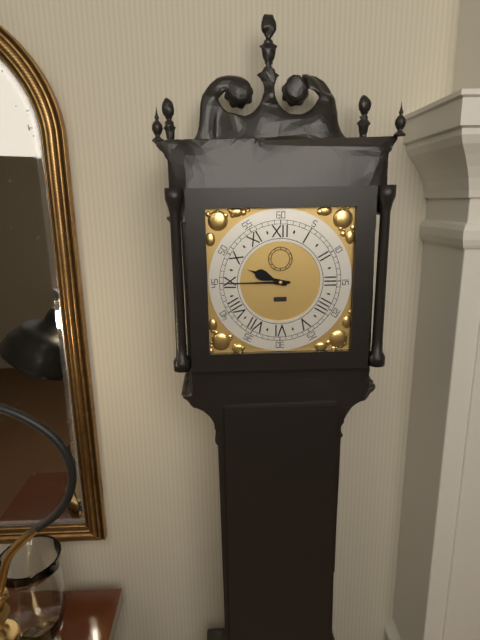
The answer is 9:45
